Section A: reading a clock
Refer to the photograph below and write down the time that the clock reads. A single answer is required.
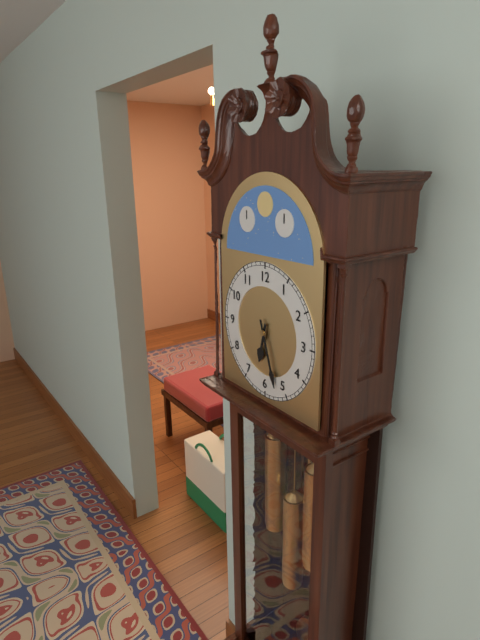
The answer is 6:27
